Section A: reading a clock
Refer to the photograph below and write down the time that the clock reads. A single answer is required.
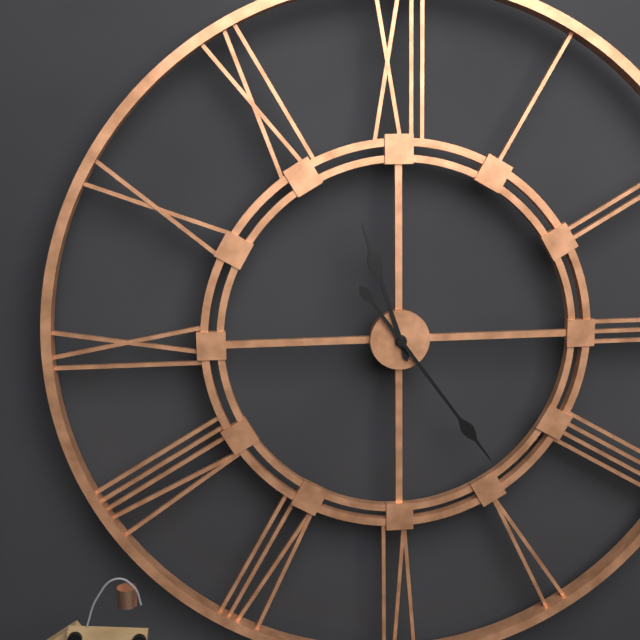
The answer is 11:24
